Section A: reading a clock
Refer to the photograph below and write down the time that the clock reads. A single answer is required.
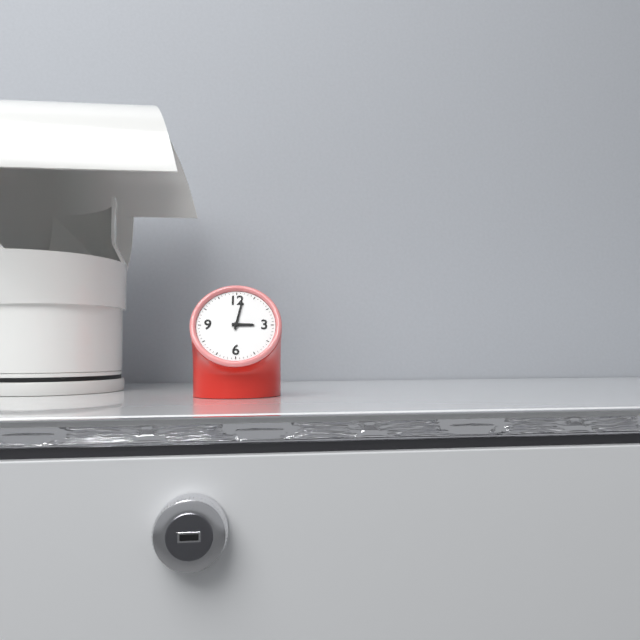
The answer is 3:02
